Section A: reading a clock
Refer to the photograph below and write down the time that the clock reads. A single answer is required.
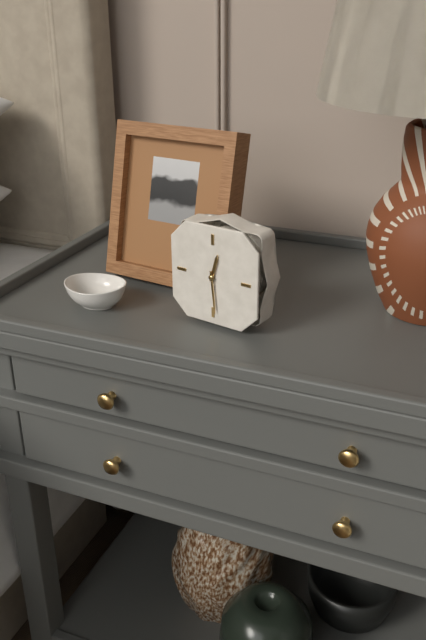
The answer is 12:29
